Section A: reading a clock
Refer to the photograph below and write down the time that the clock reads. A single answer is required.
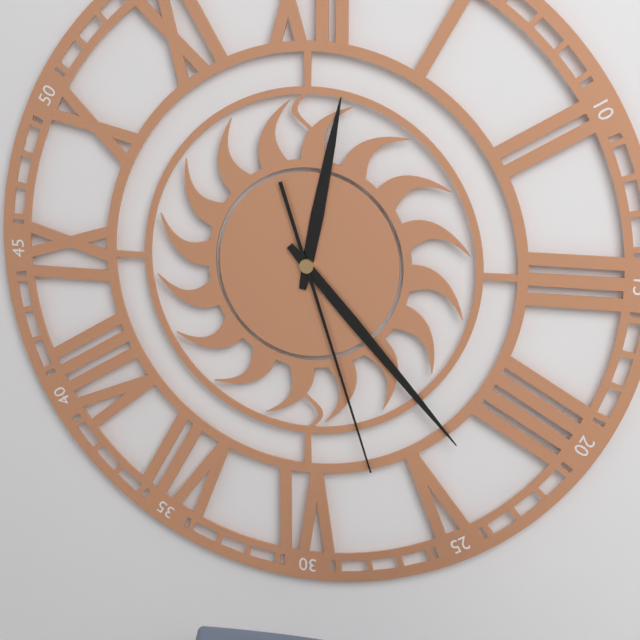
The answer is 12:23:27
